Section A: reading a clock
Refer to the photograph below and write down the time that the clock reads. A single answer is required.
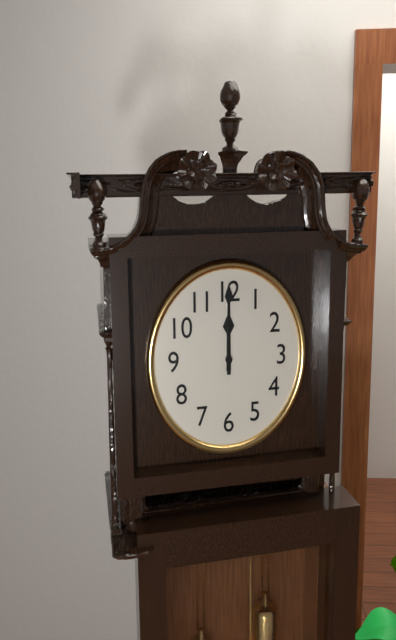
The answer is 12:00
